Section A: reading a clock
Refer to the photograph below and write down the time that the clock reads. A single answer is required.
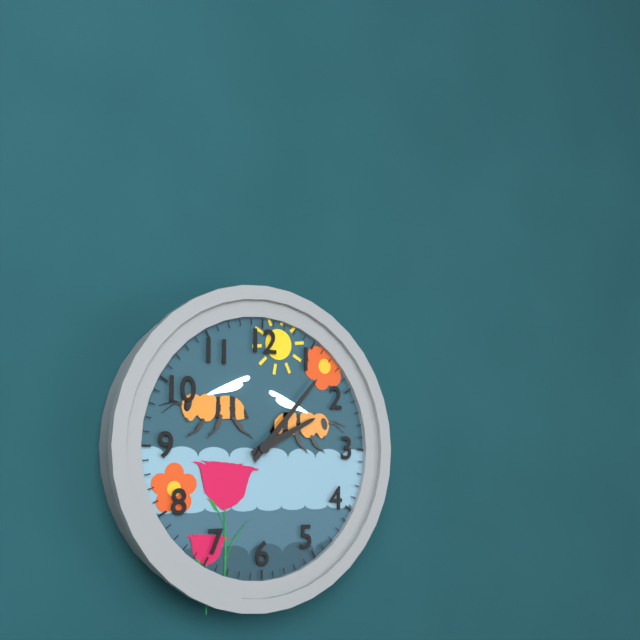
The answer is 2:07
